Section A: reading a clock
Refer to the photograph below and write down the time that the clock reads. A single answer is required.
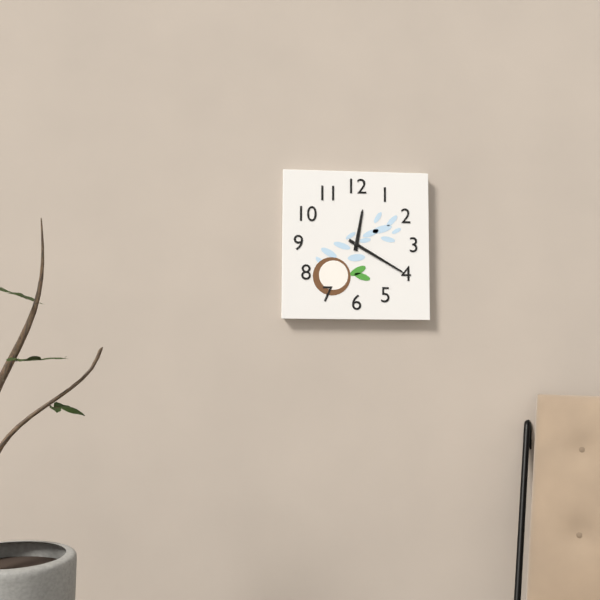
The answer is 12:20
